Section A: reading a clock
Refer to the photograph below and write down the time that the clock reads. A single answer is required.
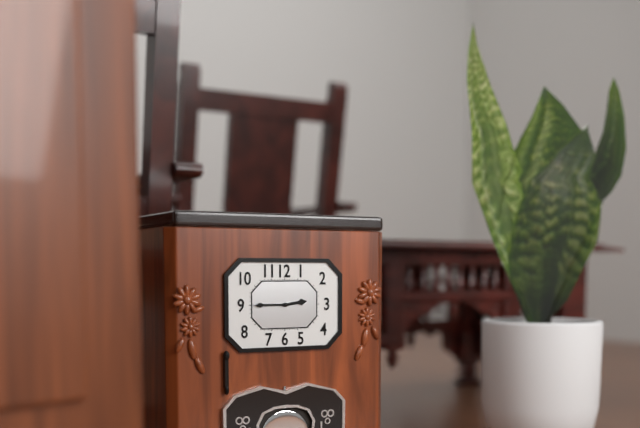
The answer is 2:45
